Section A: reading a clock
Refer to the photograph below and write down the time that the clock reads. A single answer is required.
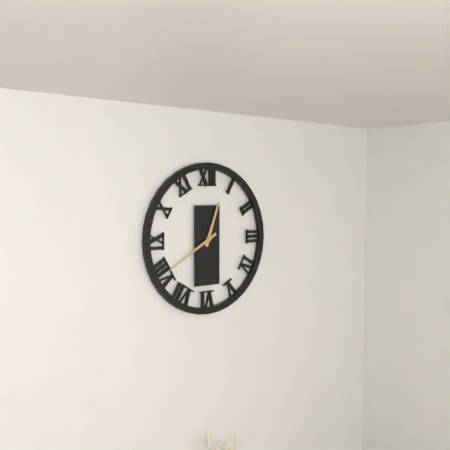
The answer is 12:40
